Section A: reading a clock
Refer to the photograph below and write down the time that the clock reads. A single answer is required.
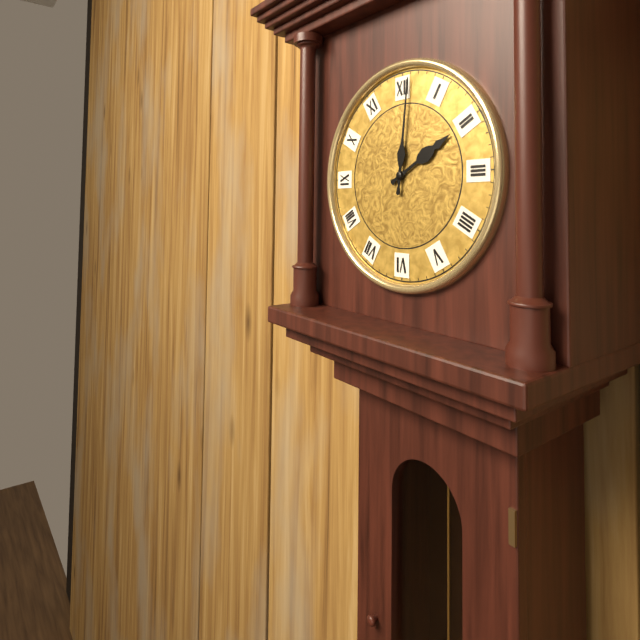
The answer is 2:01
